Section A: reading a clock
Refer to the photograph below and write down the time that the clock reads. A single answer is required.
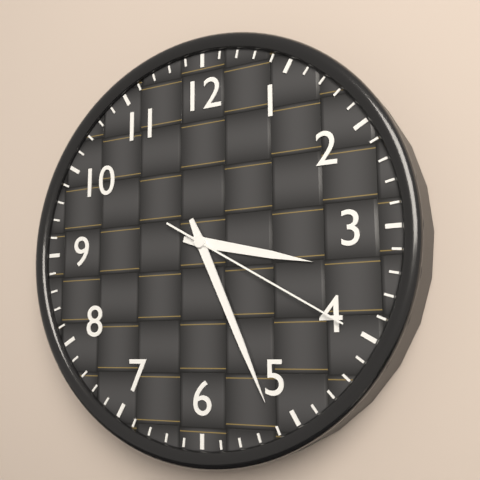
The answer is 3:26:20
